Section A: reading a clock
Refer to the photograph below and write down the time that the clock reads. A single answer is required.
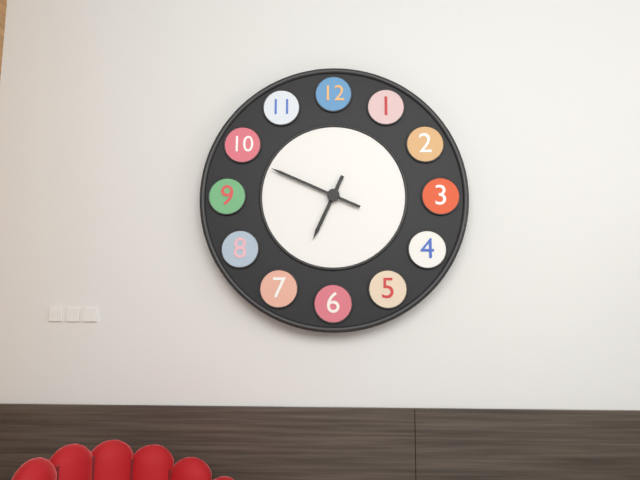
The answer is 6:49
